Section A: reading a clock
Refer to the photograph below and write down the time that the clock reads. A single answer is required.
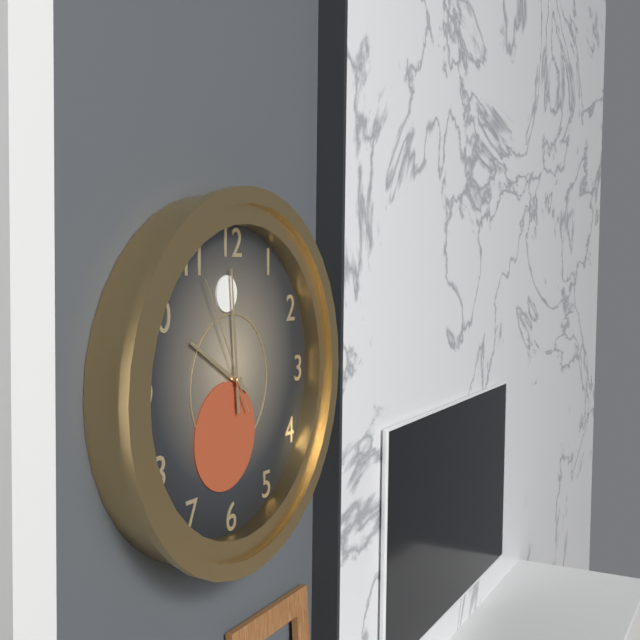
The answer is 9:59:55
